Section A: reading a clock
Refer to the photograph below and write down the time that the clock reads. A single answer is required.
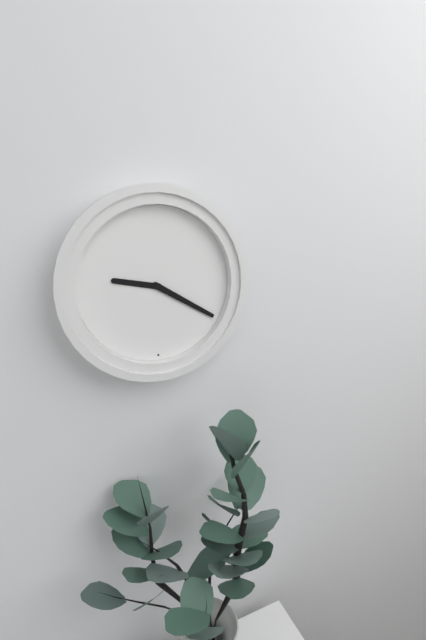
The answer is 9:20
